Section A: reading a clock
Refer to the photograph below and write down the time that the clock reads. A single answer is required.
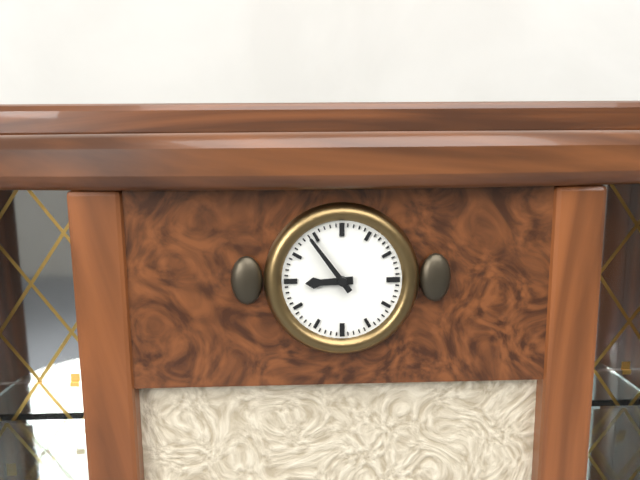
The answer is 8:54
